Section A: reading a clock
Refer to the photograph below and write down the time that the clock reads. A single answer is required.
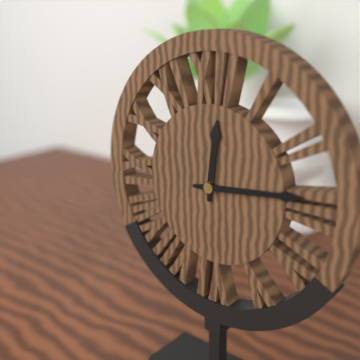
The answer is 12:14
